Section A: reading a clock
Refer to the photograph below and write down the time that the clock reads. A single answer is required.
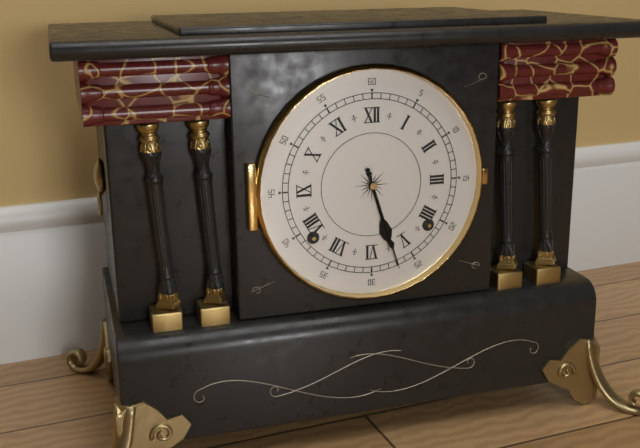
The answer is 5:27
